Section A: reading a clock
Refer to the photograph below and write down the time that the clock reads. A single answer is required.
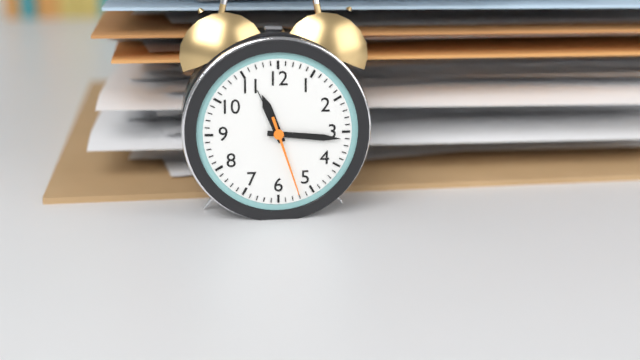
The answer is 11:16:27
